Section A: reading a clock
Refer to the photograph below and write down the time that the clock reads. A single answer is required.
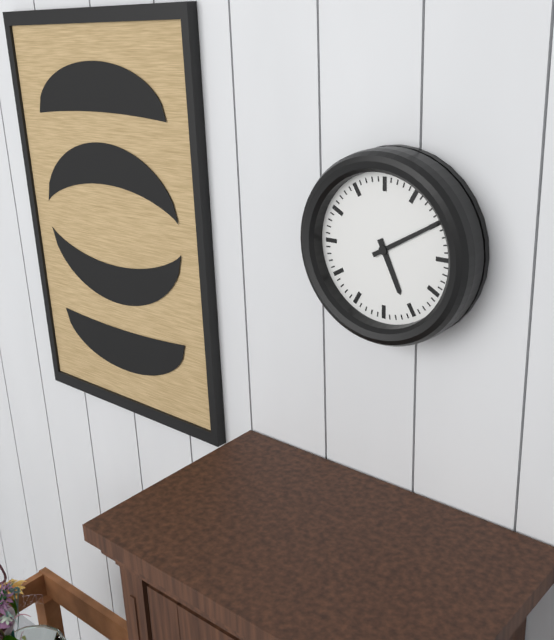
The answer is 5:10
